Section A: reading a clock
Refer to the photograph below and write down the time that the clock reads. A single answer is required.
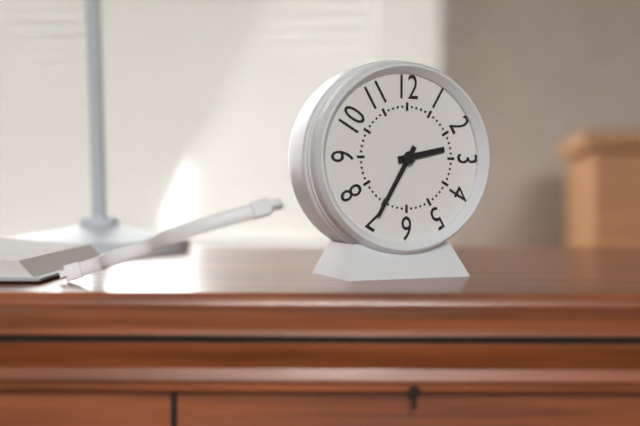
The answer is 2:35
